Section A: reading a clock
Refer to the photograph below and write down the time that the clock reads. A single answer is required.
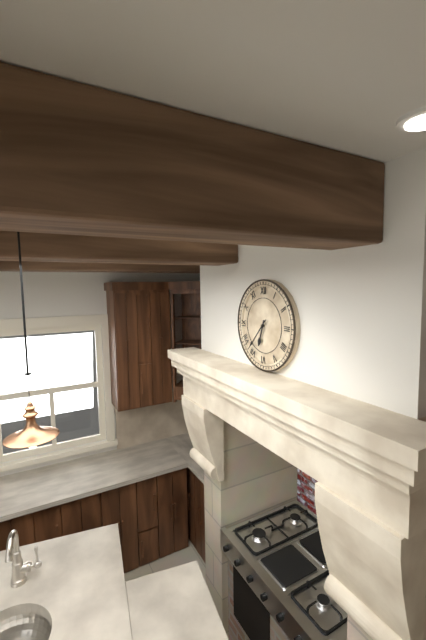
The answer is 6:37
